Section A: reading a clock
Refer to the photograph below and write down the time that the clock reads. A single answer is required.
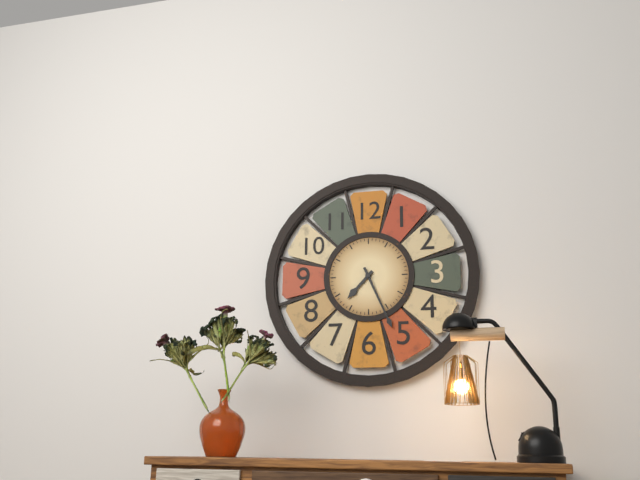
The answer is 7:26
